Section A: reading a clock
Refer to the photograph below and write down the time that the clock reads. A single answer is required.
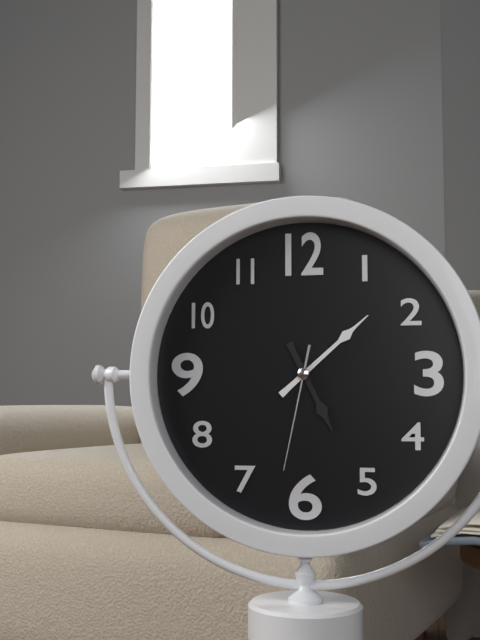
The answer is 5:08:32
